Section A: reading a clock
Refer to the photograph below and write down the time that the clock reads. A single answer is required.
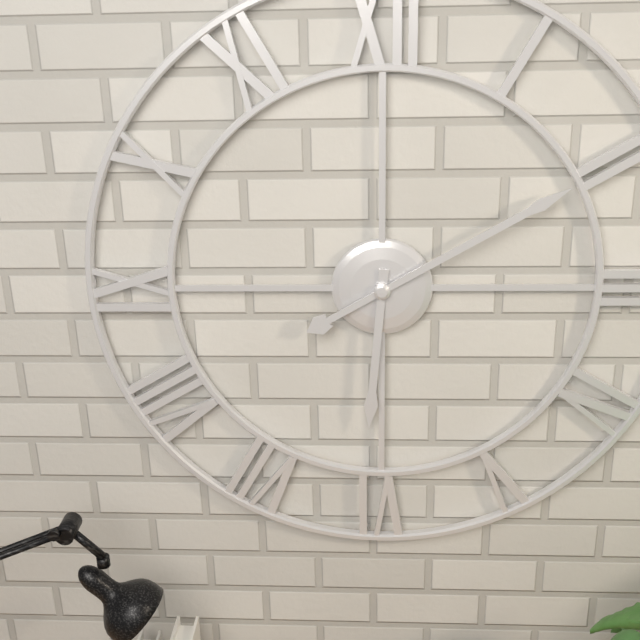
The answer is 6:10
